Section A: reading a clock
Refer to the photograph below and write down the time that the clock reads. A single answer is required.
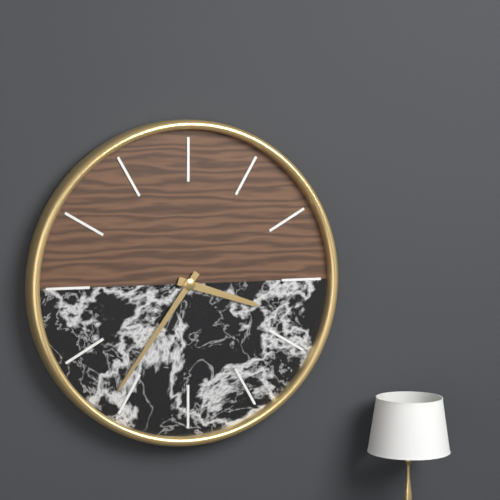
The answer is 3:36
